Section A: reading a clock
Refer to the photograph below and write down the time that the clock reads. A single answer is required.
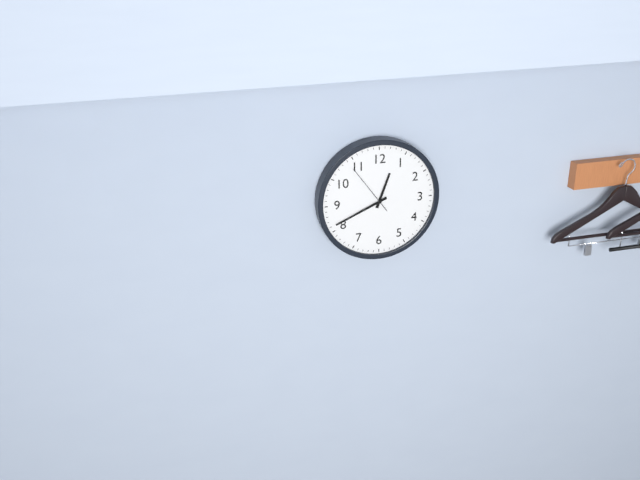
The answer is 12:41:54
